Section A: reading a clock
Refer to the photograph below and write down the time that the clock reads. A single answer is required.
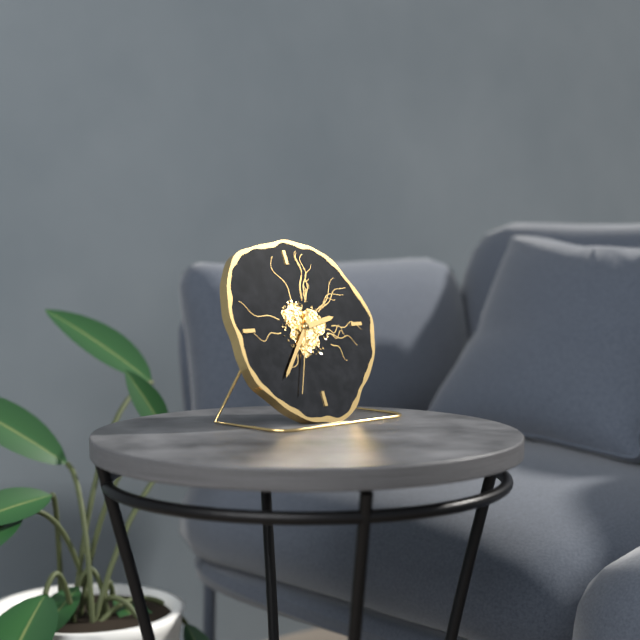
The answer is 2:37:34
